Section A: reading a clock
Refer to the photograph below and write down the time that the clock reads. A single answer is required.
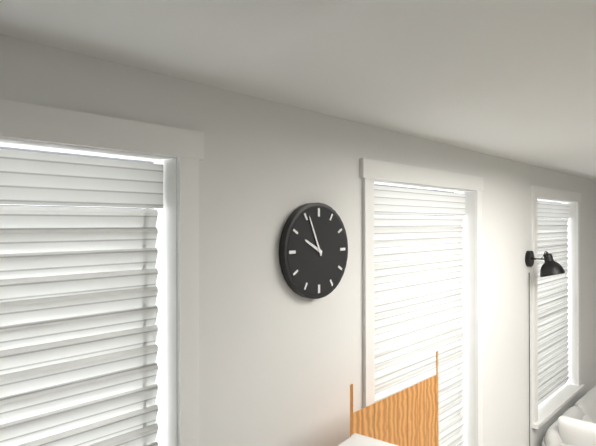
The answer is 9:56
